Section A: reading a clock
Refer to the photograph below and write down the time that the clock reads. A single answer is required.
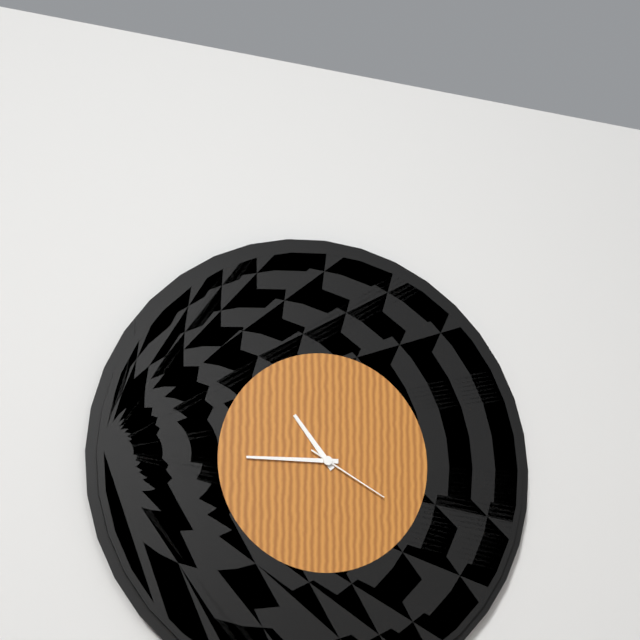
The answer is 10:45:20
